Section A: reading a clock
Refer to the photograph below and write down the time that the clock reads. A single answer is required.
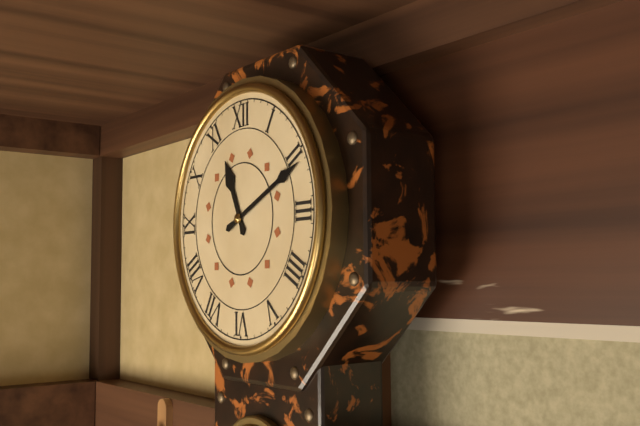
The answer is 11:11
